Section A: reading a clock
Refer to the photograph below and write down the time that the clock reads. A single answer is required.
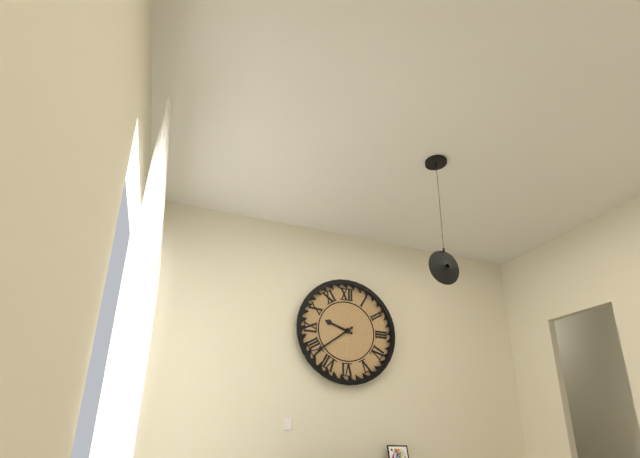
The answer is 9:39
